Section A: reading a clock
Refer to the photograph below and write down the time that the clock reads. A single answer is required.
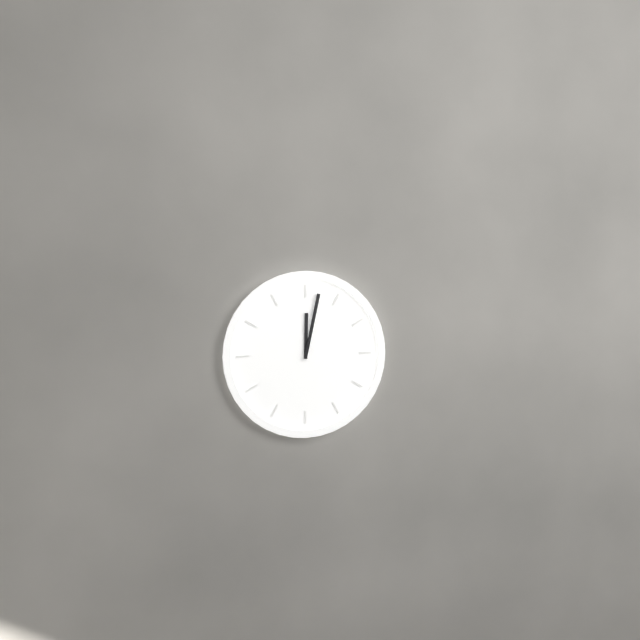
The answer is 12:02
